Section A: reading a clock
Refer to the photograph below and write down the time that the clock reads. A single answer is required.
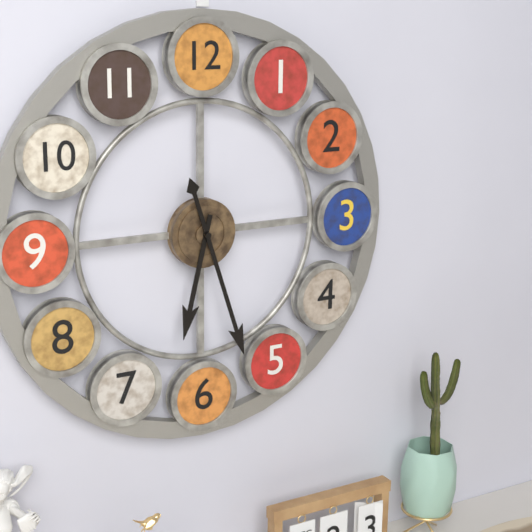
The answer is 6:27
